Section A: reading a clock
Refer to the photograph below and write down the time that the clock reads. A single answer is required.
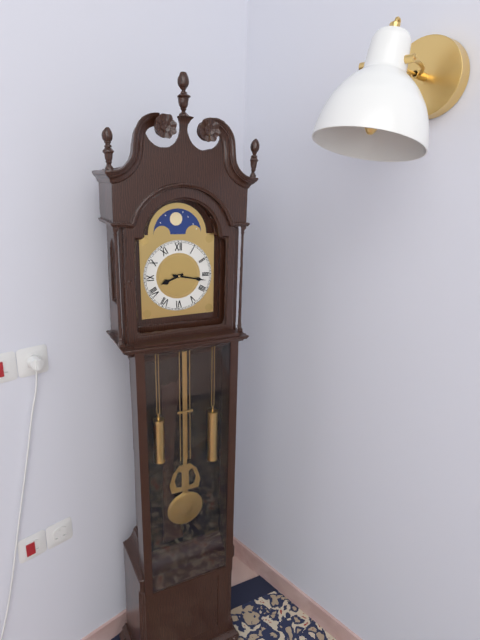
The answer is 8:17
